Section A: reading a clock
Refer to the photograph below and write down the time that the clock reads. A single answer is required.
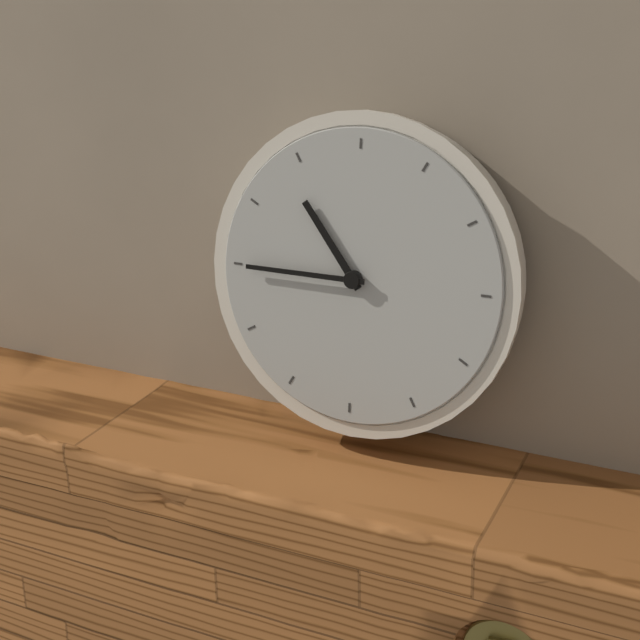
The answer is 10:45
